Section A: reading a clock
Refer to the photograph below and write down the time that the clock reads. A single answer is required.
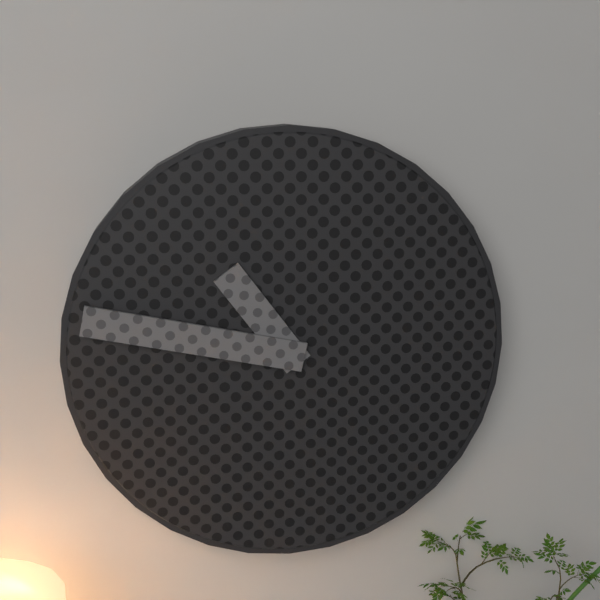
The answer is 10:47
